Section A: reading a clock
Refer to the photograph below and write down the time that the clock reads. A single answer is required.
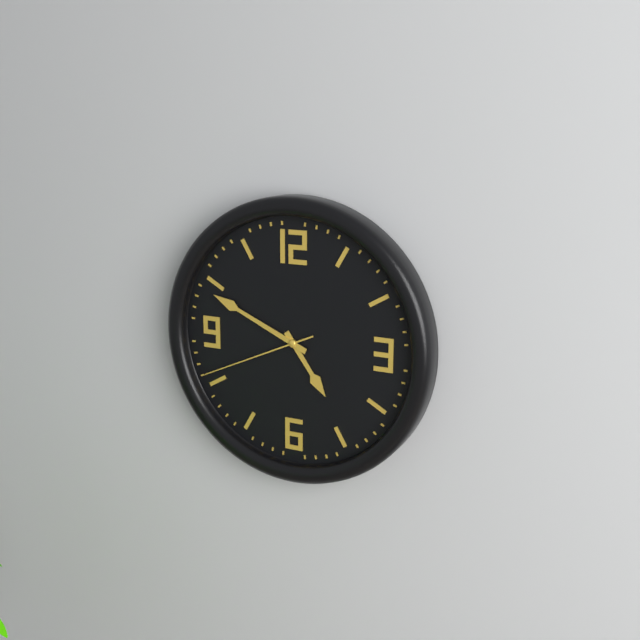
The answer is 4:49:41
